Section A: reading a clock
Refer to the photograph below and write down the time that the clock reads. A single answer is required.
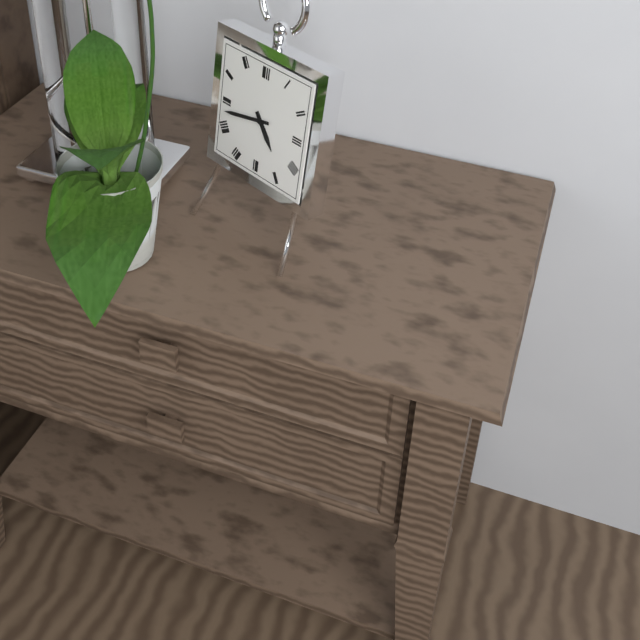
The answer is 4:43
